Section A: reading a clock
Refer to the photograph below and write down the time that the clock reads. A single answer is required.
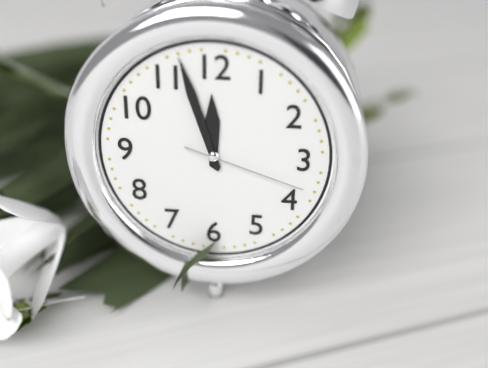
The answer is 11:57:18
